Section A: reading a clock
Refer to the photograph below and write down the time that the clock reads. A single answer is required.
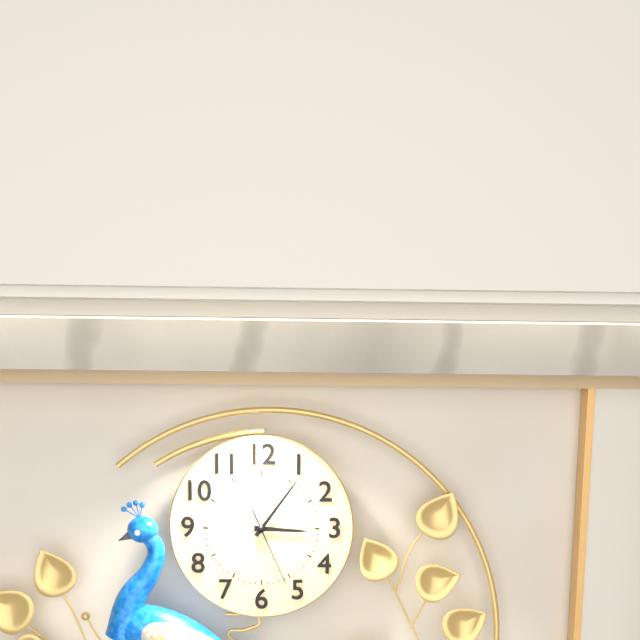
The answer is 3:06:26
